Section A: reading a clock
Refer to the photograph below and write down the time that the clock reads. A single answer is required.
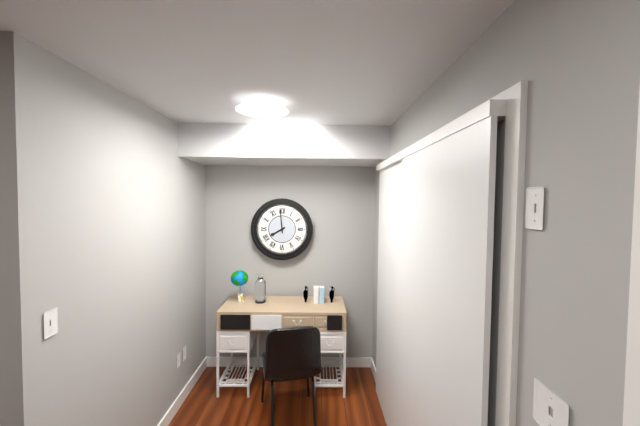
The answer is 7:59
